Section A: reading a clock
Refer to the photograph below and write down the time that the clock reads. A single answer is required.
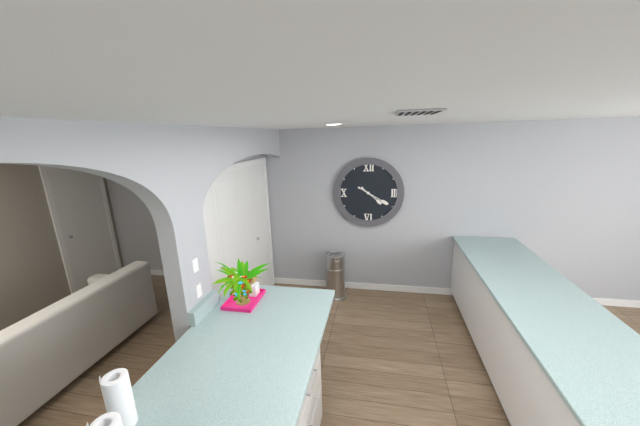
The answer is 4:20
